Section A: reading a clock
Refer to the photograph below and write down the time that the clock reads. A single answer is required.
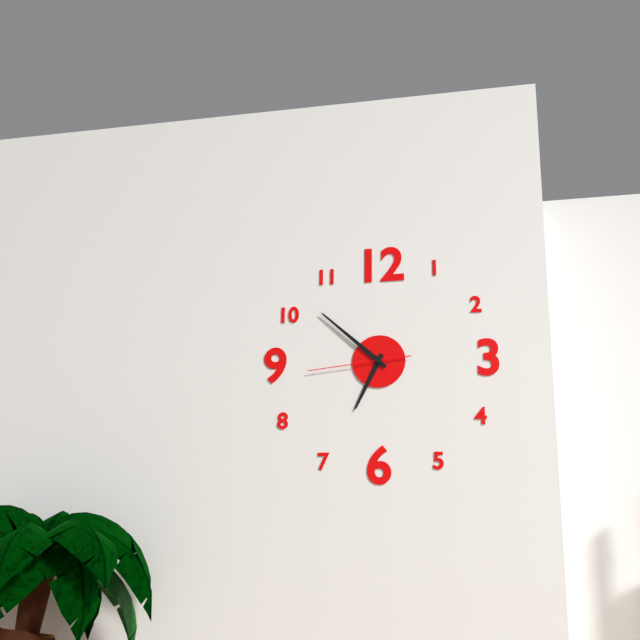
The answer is 6:52:44
